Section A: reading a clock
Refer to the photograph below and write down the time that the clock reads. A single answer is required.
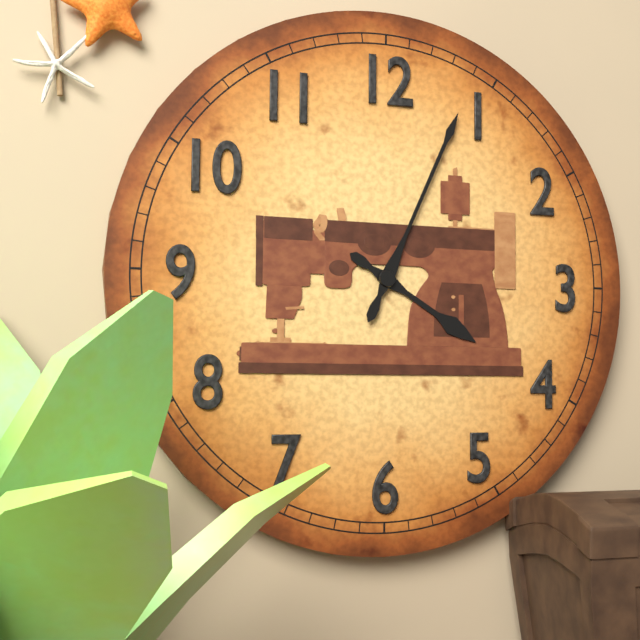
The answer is 4:04
